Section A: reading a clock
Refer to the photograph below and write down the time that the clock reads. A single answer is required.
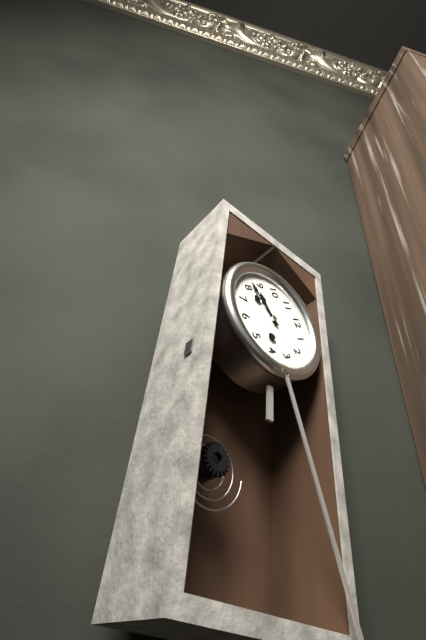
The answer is 8:42
